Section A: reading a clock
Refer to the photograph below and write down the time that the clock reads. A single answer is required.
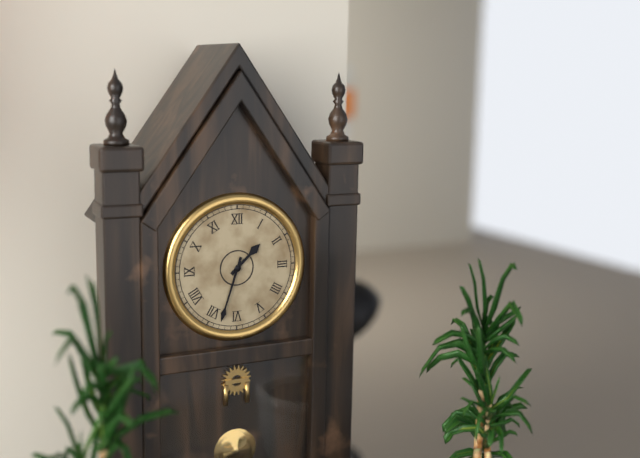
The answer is 1:33
